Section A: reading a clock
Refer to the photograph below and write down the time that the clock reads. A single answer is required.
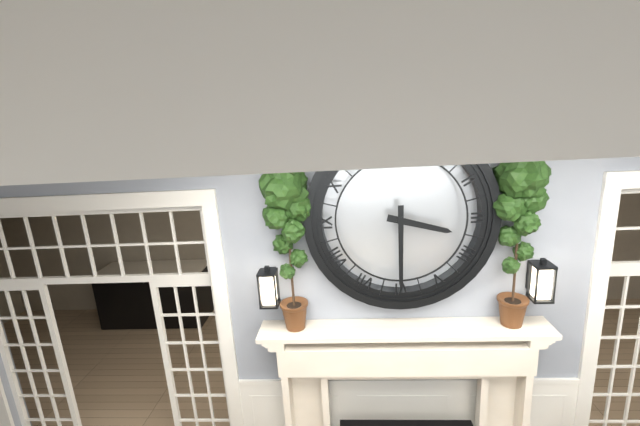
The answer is 3:30
